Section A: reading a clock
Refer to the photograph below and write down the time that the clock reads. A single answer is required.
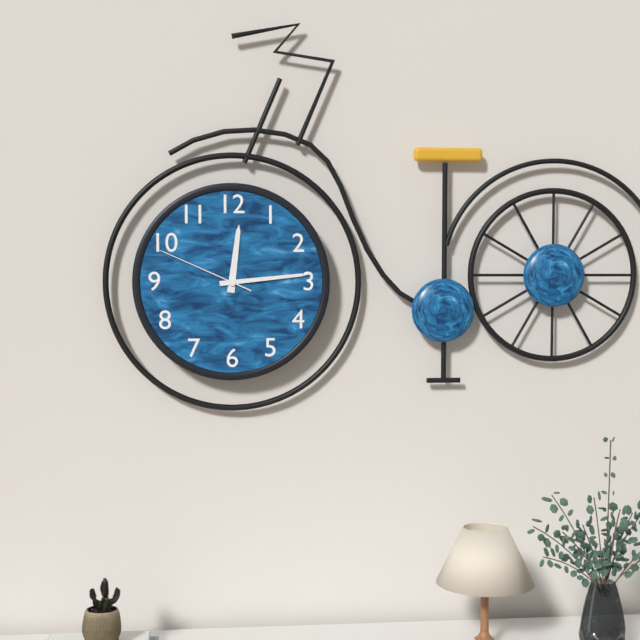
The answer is 12:14:49
